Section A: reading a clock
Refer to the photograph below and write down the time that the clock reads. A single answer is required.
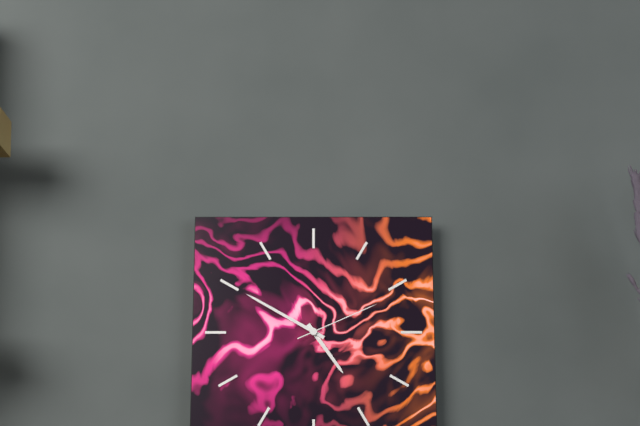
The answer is 4:50:11
